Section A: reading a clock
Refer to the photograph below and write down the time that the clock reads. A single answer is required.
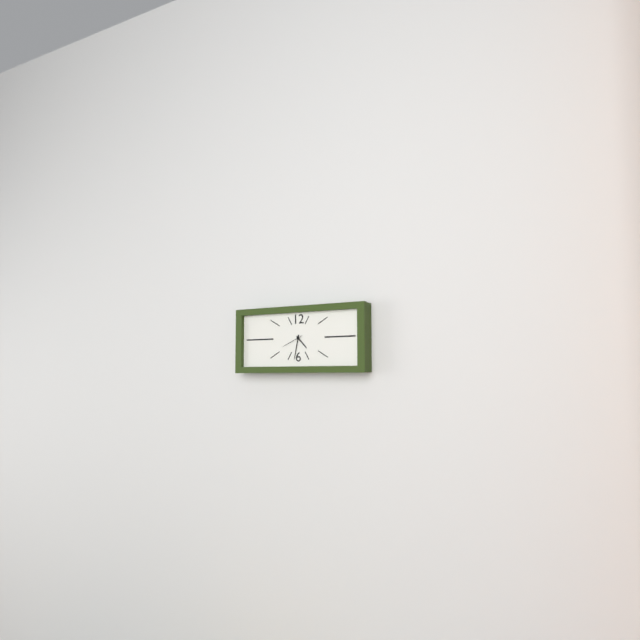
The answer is 4:32
